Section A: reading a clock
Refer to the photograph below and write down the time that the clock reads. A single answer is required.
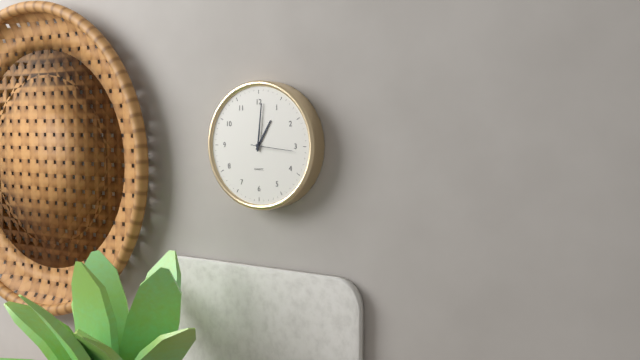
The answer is 1:01
